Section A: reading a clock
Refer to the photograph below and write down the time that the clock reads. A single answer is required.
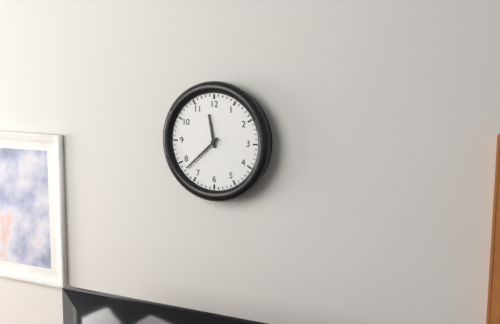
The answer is 11:38
